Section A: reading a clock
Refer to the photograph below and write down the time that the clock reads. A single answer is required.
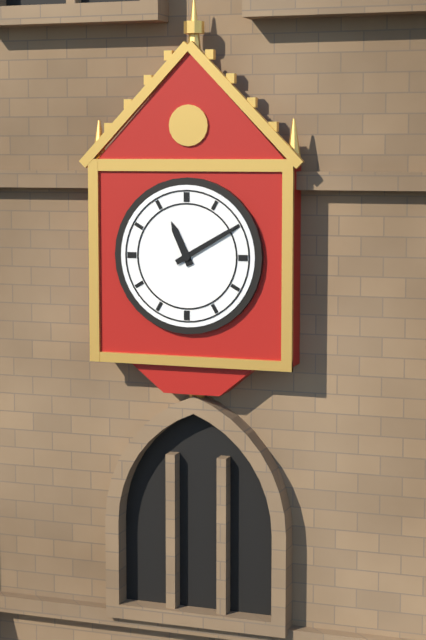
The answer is 11:10
